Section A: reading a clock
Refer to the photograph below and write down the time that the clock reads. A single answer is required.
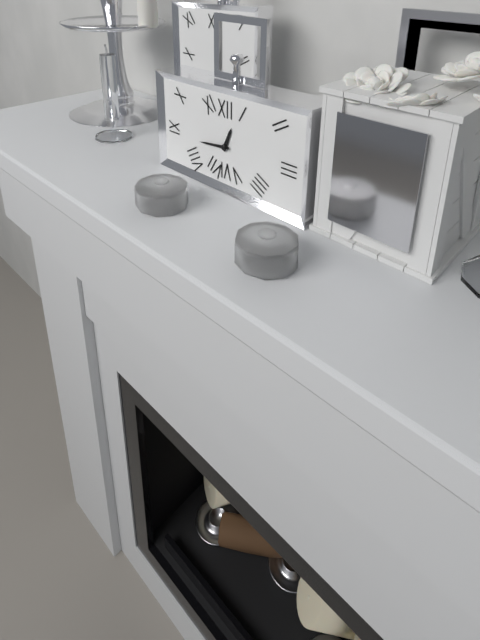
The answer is 12:44
